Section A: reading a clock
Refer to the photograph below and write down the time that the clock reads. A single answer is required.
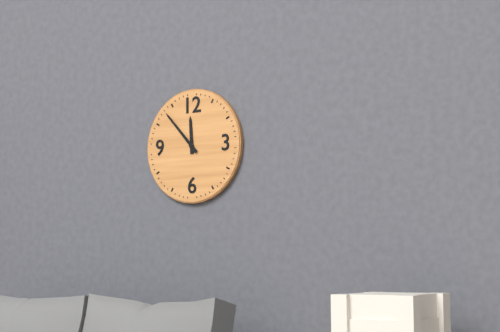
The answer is 11:53
